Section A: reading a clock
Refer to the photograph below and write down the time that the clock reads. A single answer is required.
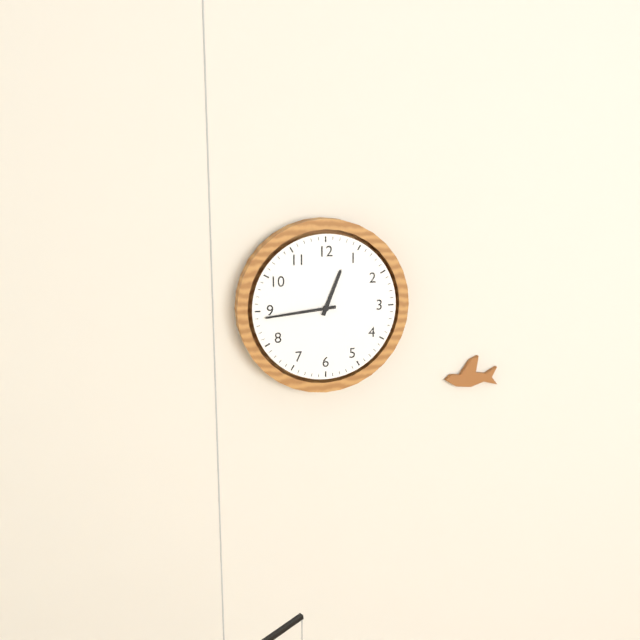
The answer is 12:44
